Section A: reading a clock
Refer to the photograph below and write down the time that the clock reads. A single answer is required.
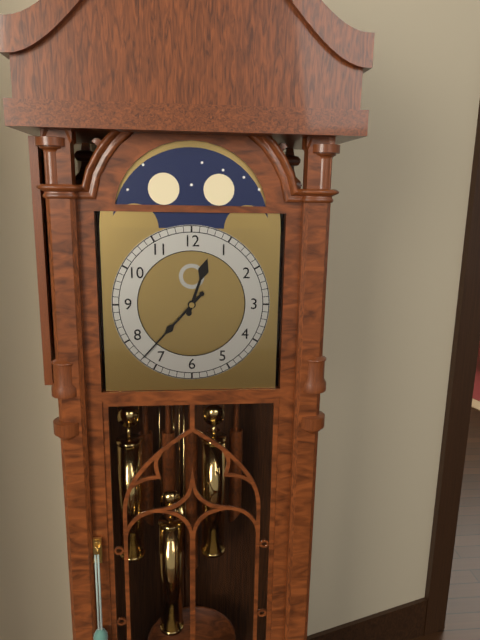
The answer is 12:37
